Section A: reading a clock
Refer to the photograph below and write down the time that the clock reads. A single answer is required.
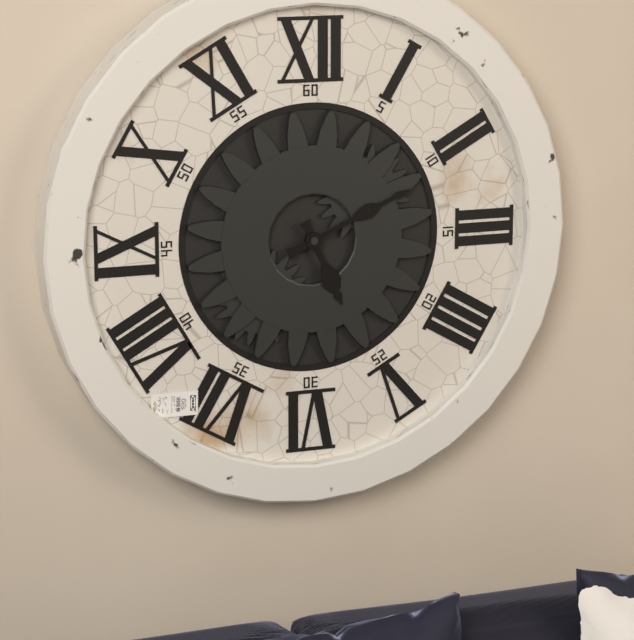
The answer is 5:11
